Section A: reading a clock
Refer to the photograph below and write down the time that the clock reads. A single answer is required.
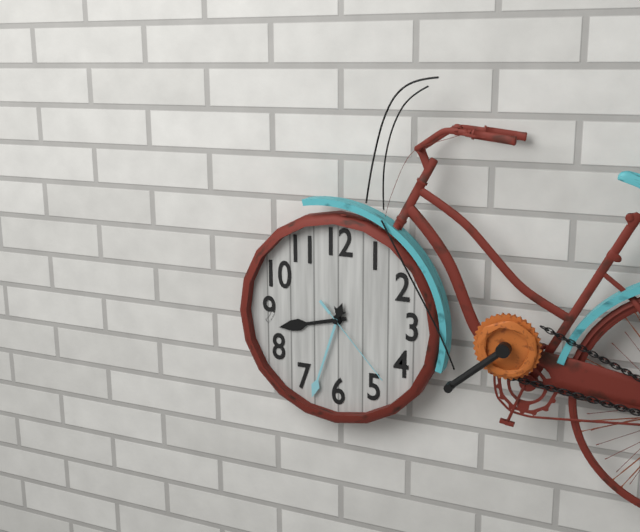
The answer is 8:33:23
